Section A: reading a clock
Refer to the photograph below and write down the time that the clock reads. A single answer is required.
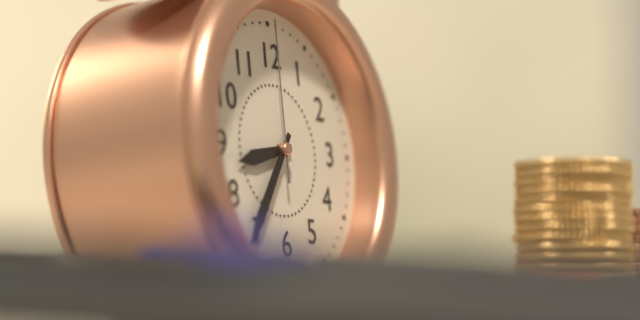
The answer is 8:36:00
